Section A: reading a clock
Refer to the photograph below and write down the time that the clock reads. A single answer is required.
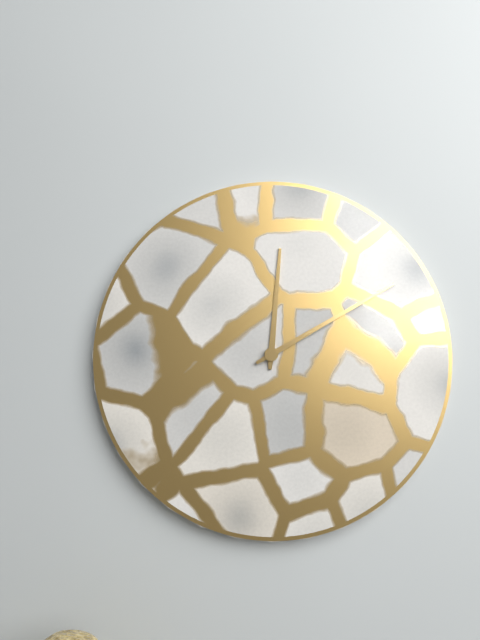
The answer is 12:10
